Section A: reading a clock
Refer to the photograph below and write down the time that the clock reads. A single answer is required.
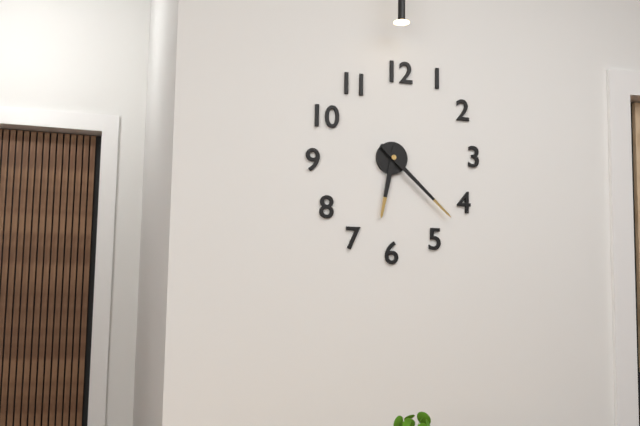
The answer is 6:22
